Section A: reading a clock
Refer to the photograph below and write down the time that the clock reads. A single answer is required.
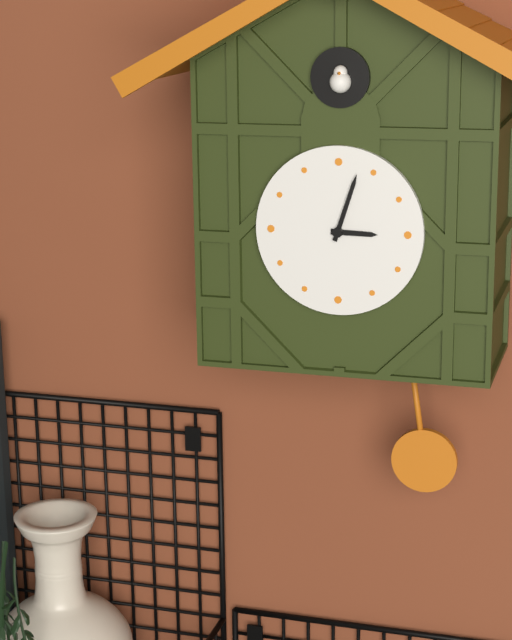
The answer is 3:03
